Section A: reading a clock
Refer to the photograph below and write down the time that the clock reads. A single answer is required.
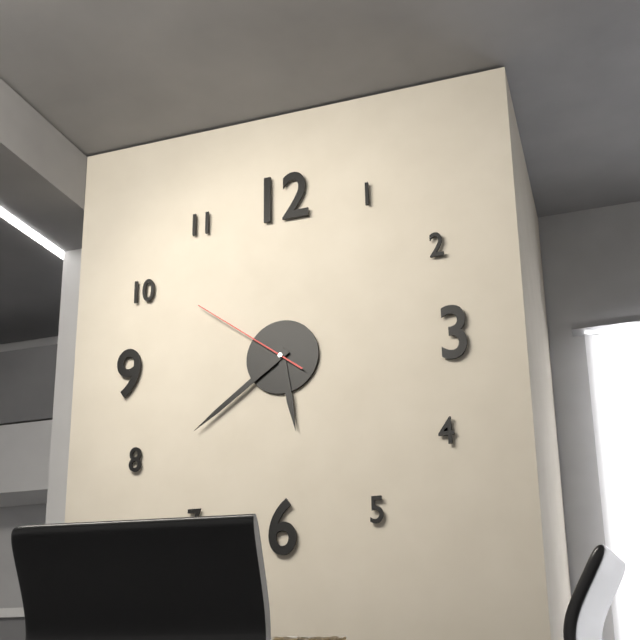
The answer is 5:39:51
